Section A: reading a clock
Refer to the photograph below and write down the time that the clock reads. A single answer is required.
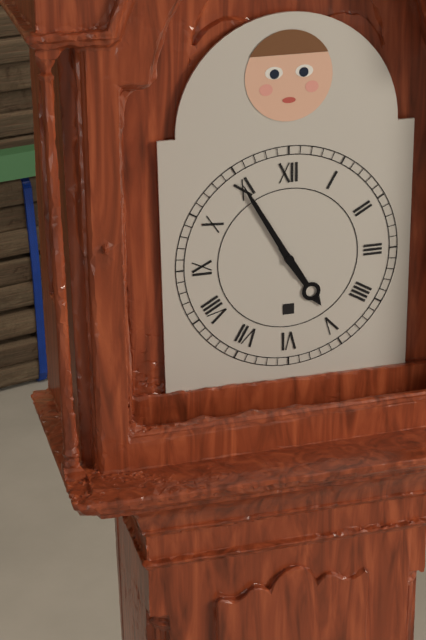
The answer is 4:55
